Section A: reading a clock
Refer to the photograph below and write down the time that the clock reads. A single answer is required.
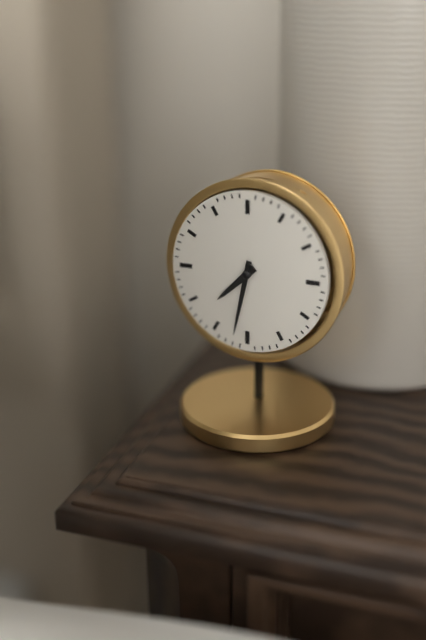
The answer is 7:32
